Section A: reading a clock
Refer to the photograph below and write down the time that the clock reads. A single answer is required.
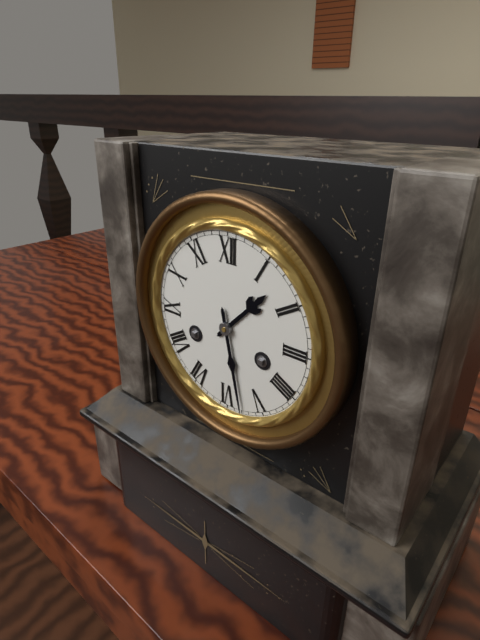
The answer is 1:28
